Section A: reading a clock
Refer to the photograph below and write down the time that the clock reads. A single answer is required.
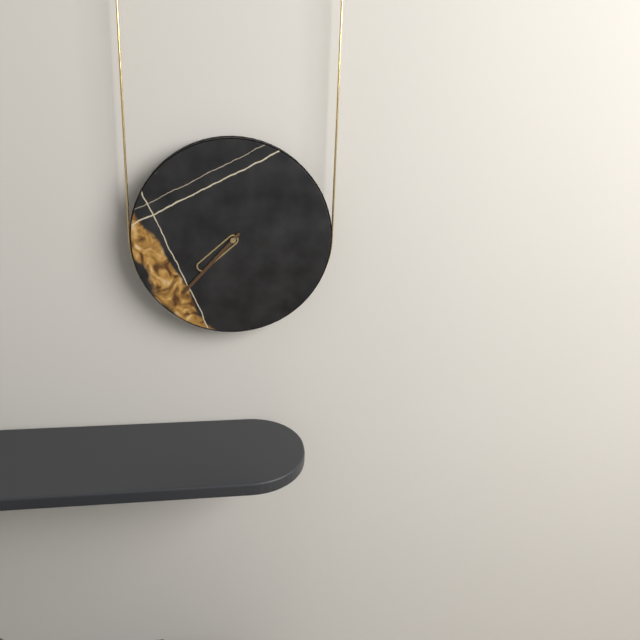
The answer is 7:37
